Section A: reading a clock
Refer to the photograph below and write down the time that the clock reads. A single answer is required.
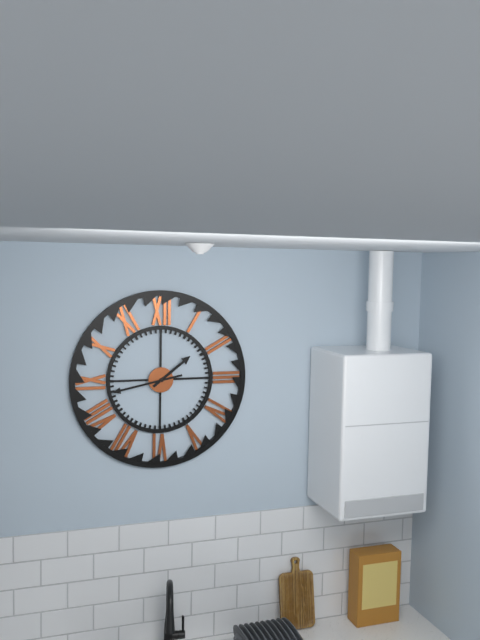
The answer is 1:43
